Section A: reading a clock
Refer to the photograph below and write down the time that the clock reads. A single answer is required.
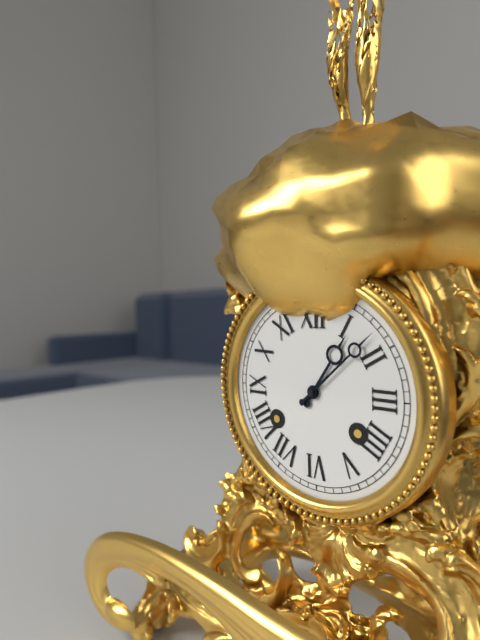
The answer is 1:08
